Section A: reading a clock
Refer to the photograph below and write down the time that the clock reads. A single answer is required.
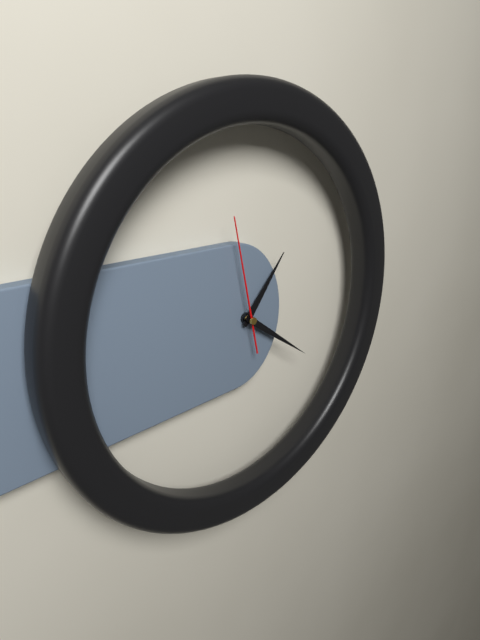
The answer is 1:21:58
